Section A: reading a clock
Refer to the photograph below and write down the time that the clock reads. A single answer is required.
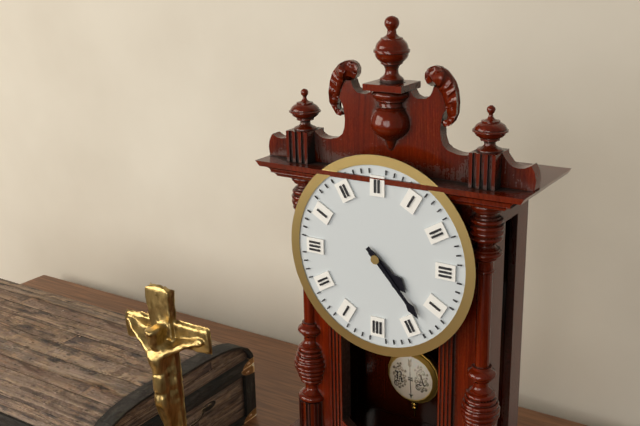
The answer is 4:23
